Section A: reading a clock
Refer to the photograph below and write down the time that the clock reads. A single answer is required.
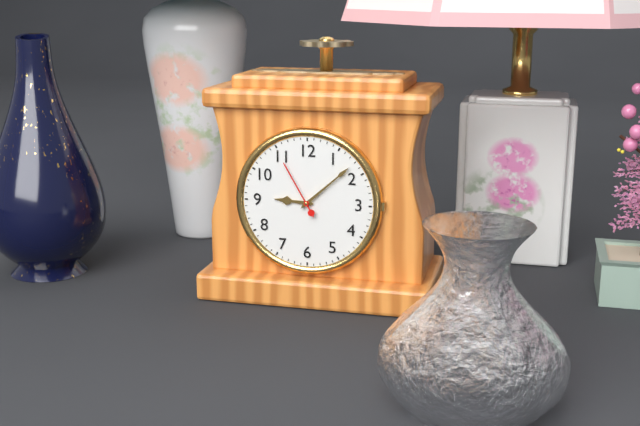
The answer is 9:08:55
